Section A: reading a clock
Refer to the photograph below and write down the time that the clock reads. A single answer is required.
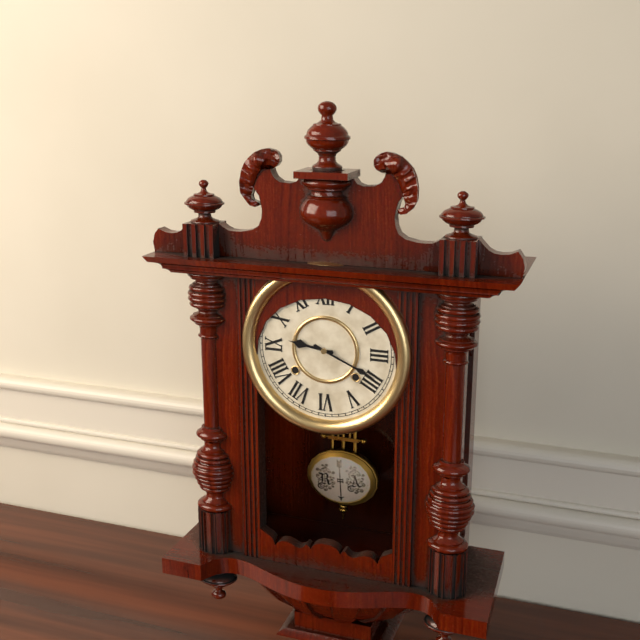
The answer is 9:19
